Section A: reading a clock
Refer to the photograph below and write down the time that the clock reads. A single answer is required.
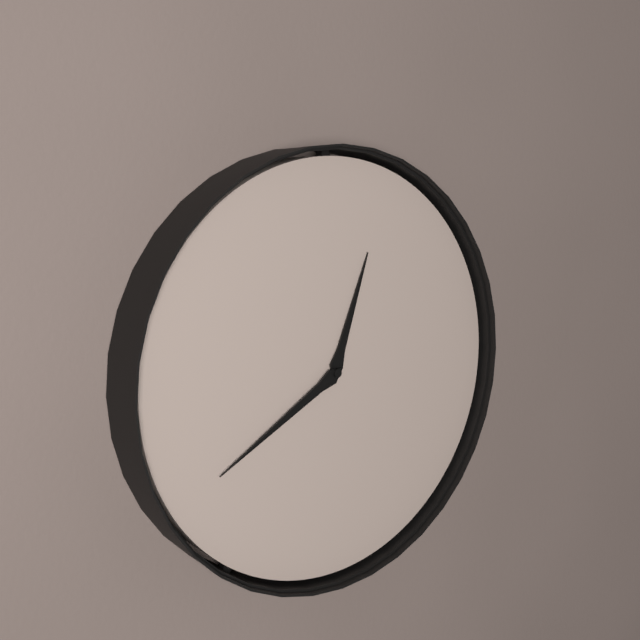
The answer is 12:40
